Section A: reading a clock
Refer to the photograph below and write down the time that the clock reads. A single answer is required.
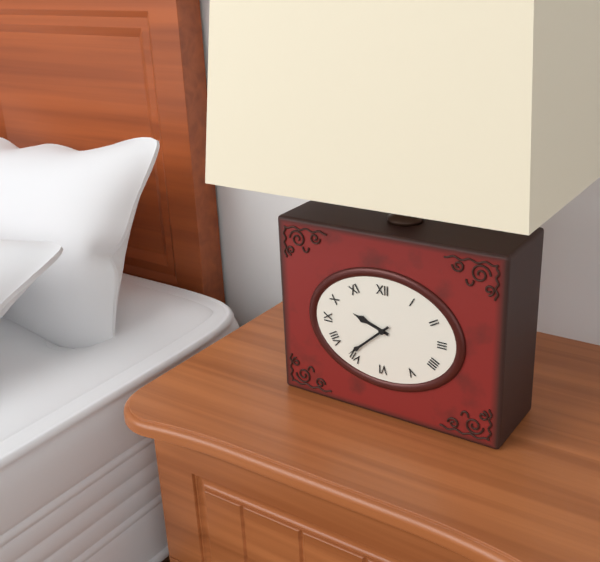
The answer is 9:38
